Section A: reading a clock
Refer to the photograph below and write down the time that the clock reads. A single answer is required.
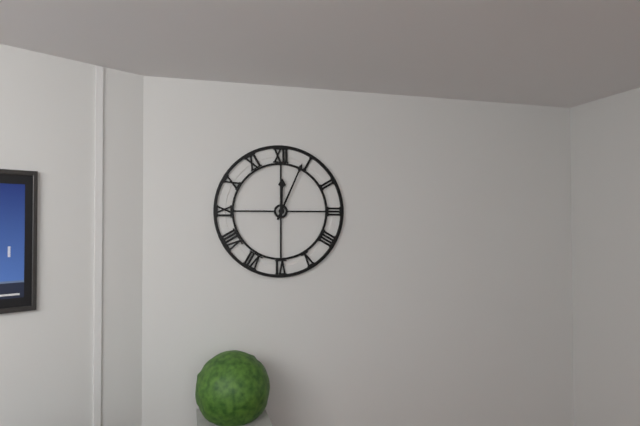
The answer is 12:04
